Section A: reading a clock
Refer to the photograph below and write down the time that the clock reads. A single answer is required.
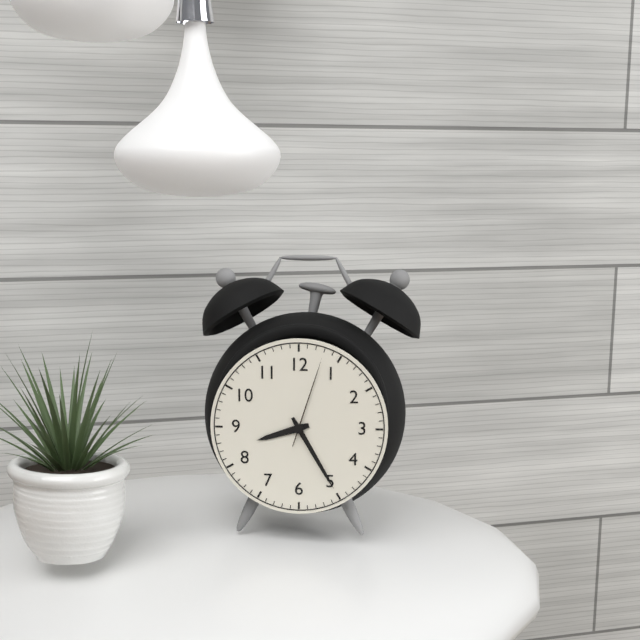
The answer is 8:25:03
